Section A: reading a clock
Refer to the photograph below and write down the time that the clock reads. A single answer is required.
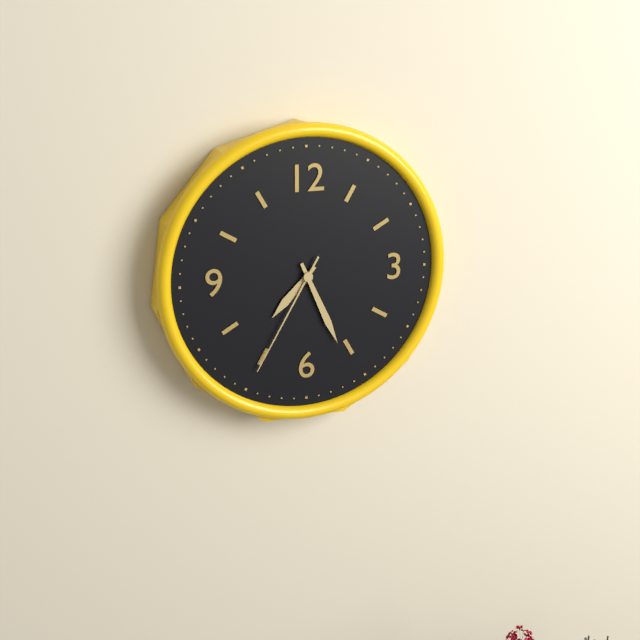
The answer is 7:26:35
